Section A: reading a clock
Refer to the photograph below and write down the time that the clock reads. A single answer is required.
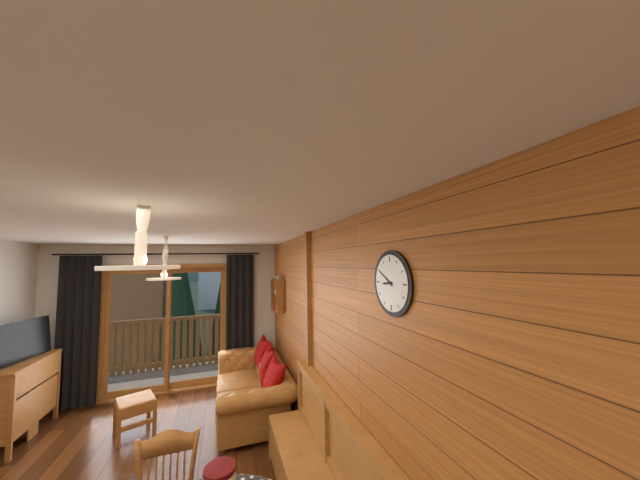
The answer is 8:50
